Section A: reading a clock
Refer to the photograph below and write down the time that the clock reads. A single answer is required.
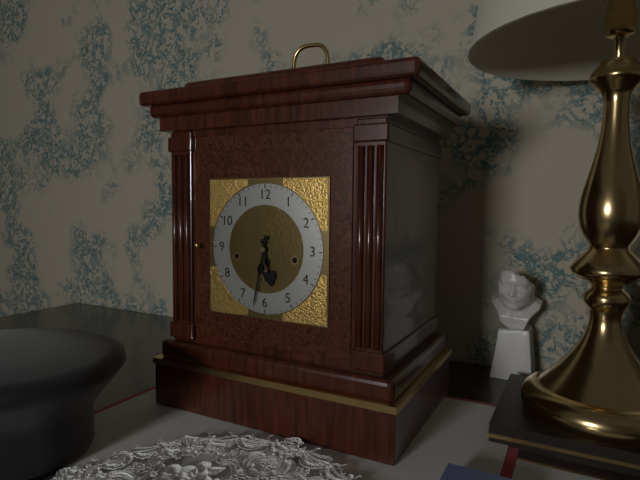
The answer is 5:32
